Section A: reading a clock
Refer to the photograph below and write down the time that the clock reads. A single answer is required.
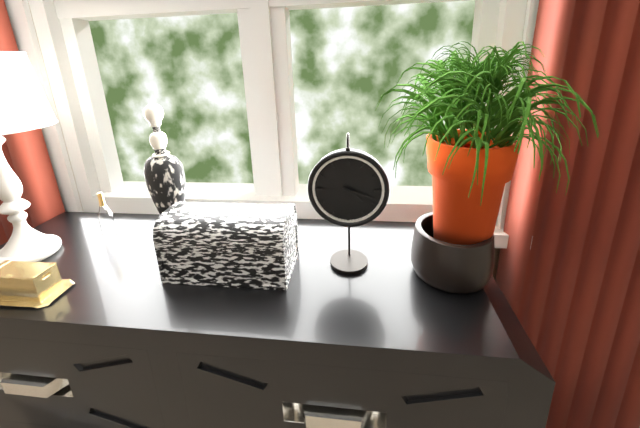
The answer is 4:18
